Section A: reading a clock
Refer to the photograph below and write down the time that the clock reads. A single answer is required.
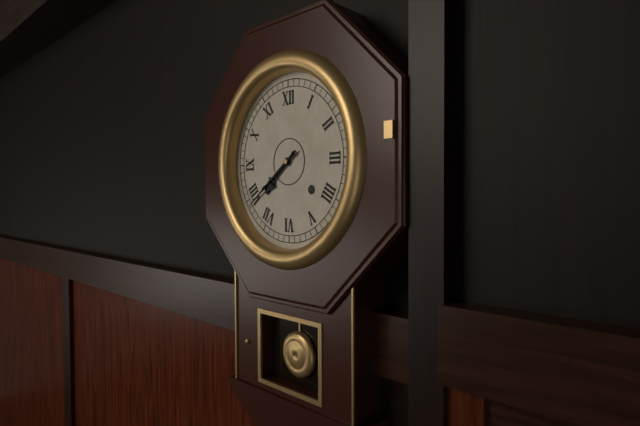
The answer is 7:39
